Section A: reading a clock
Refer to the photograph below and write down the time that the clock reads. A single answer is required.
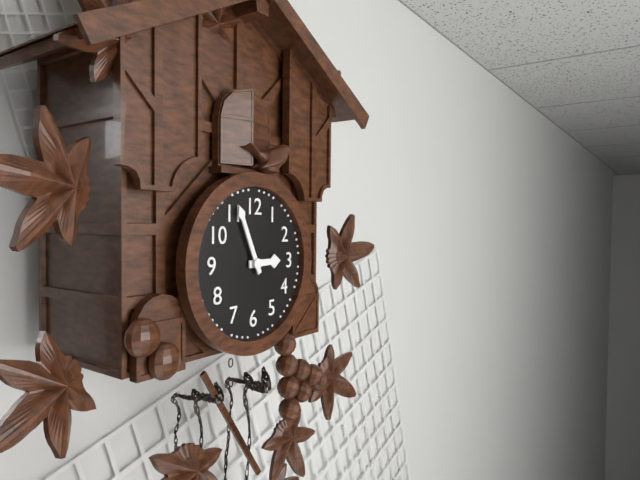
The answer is 2:56
